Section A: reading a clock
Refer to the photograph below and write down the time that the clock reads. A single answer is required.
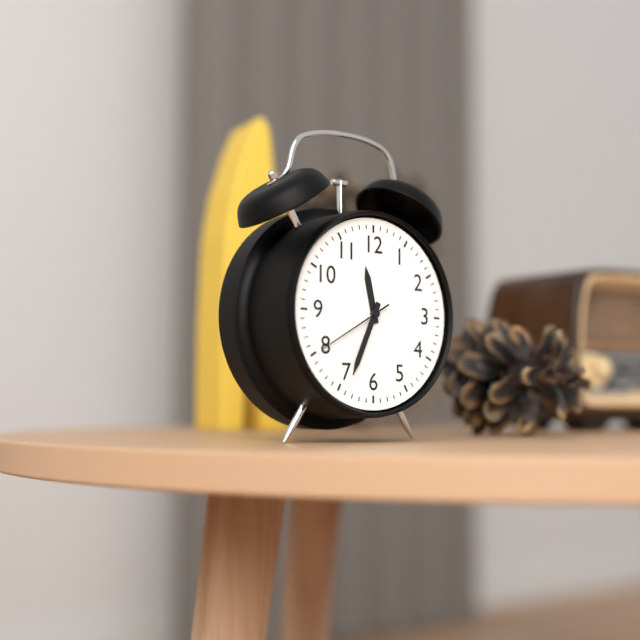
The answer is 11:34:40
